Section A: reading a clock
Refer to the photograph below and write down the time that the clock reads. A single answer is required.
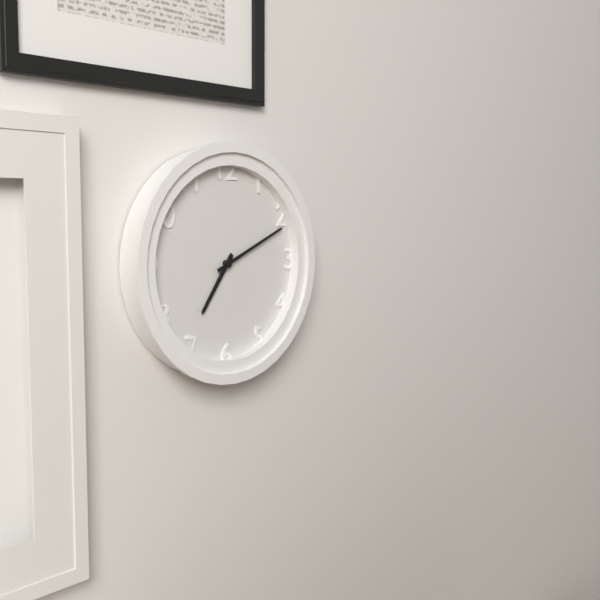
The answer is 7:11
